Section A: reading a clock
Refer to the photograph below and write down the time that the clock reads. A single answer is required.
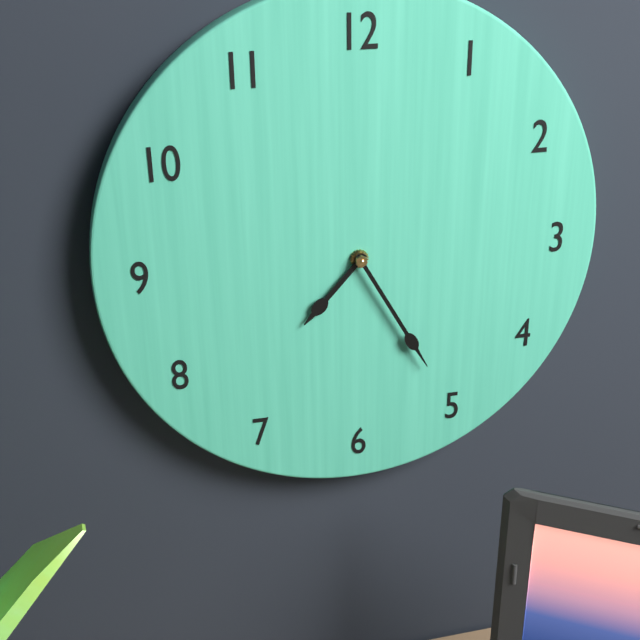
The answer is 7:25
